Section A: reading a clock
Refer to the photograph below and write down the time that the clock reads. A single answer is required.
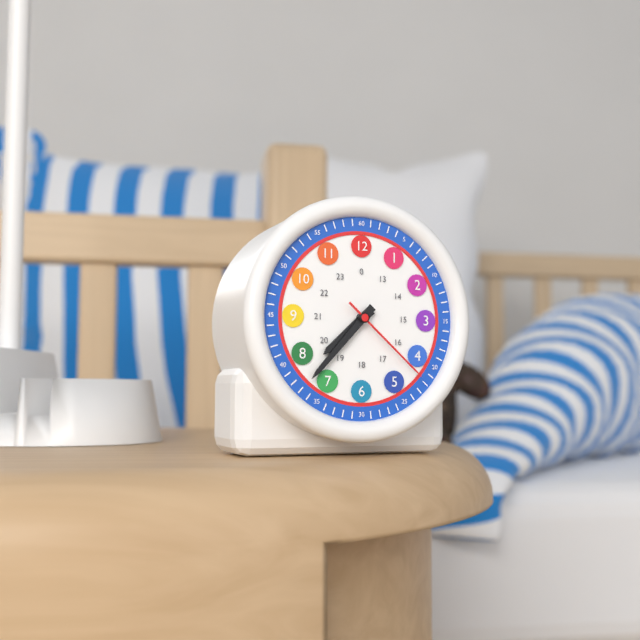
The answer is 7:37:22
